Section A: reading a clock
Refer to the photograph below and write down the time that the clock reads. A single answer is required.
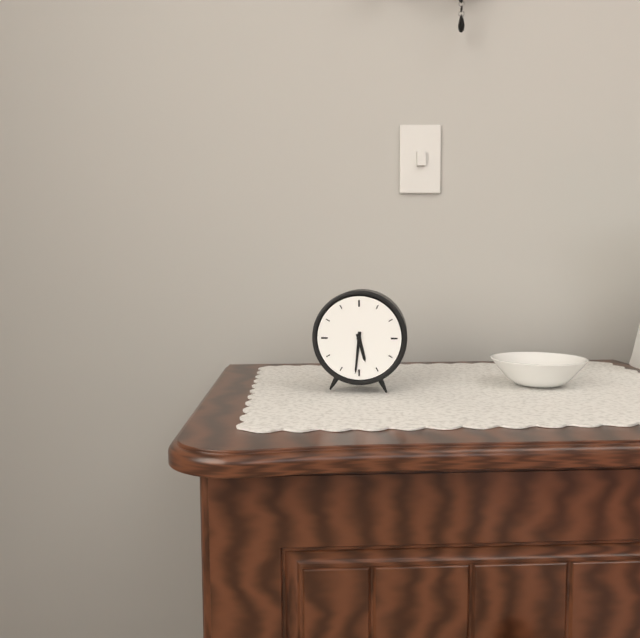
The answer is 5:31
